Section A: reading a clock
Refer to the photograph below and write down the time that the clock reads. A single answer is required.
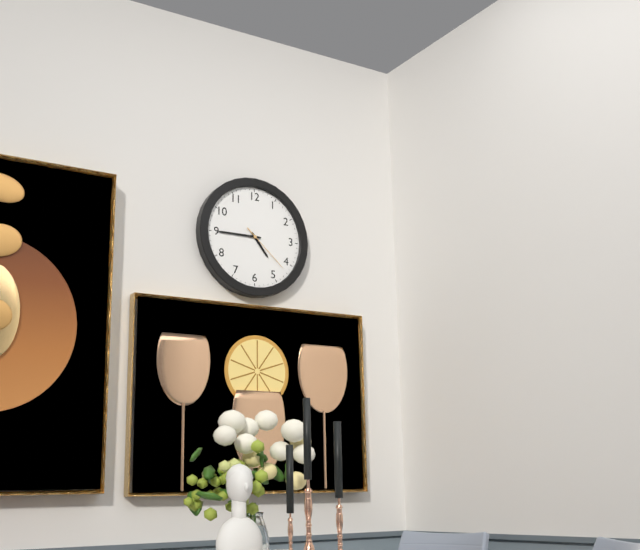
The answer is 4:45:22
